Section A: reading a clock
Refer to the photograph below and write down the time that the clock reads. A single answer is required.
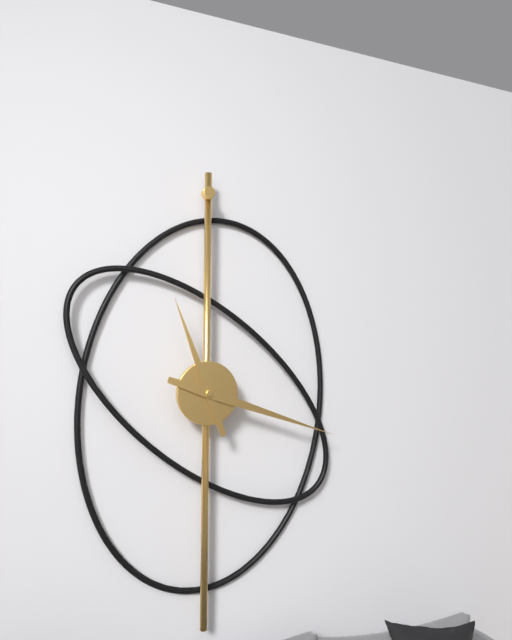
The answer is 11:18
